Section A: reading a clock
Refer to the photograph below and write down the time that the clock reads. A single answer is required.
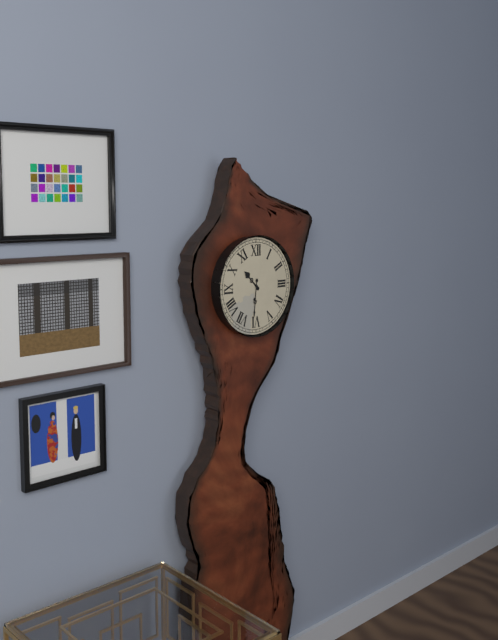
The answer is 10:31
